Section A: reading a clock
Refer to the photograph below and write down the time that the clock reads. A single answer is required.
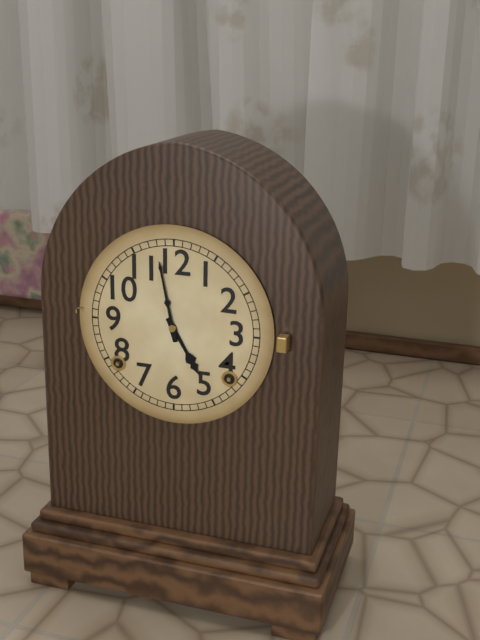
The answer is 4:58
